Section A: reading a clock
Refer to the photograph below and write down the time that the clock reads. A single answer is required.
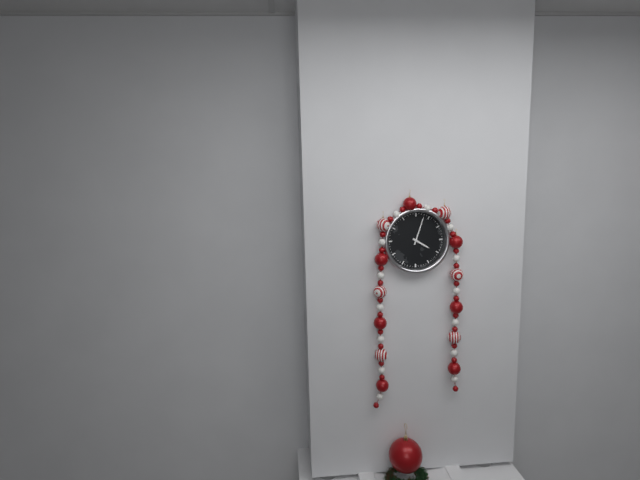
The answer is 4:03
